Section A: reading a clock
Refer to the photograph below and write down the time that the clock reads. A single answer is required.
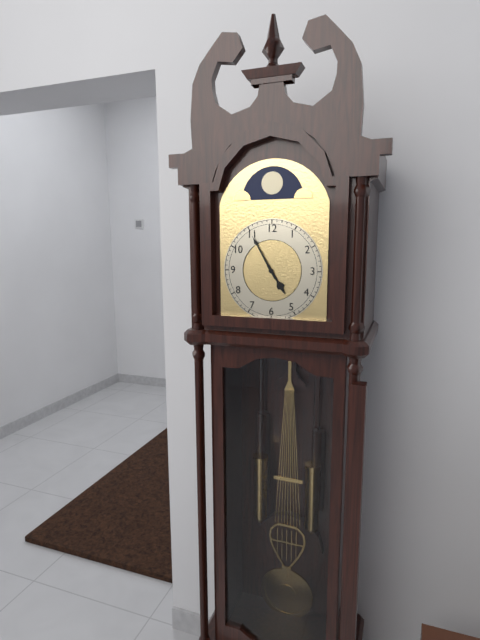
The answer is 4:55
